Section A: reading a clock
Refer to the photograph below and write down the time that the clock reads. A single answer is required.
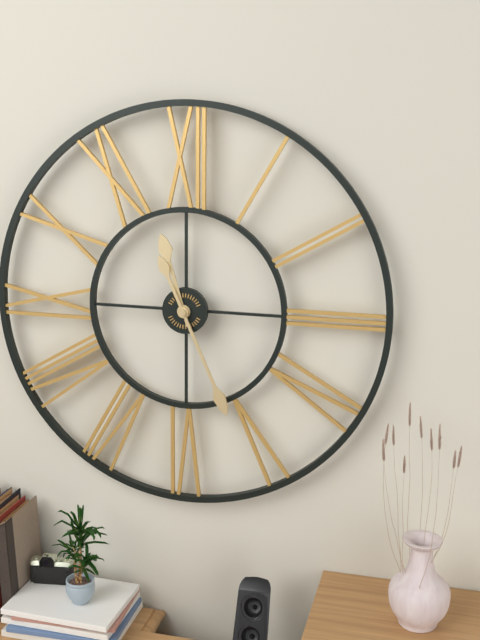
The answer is 11:26
